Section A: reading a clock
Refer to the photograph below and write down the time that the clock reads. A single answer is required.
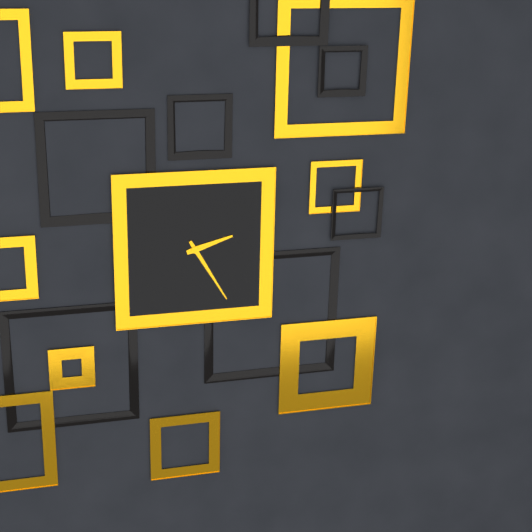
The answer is 2:25
